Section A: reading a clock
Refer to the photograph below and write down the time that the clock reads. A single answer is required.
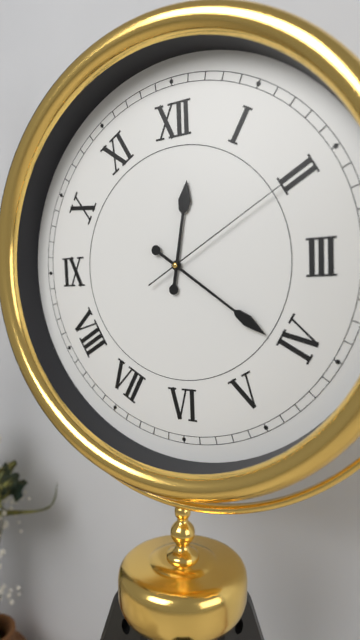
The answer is 12:21:10
